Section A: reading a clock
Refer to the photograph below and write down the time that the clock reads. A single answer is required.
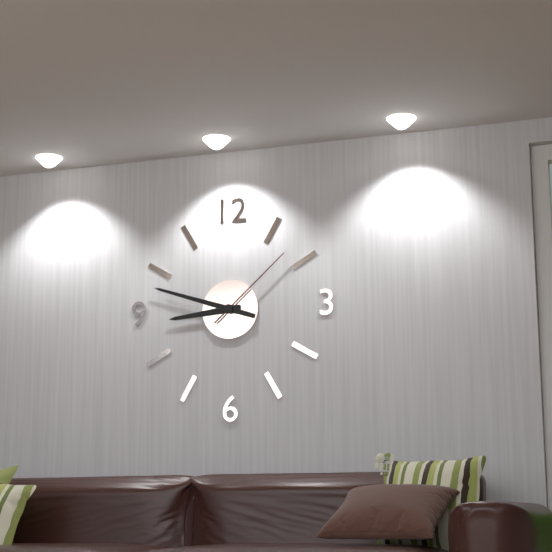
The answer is 8:48:08
